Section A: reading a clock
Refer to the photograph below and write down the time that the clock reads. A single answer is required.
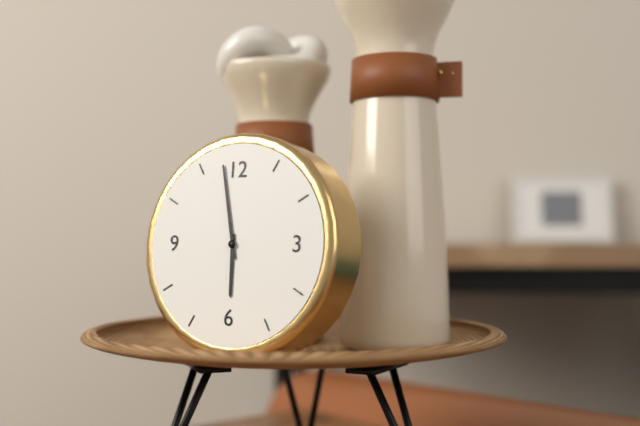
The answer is 5:58
